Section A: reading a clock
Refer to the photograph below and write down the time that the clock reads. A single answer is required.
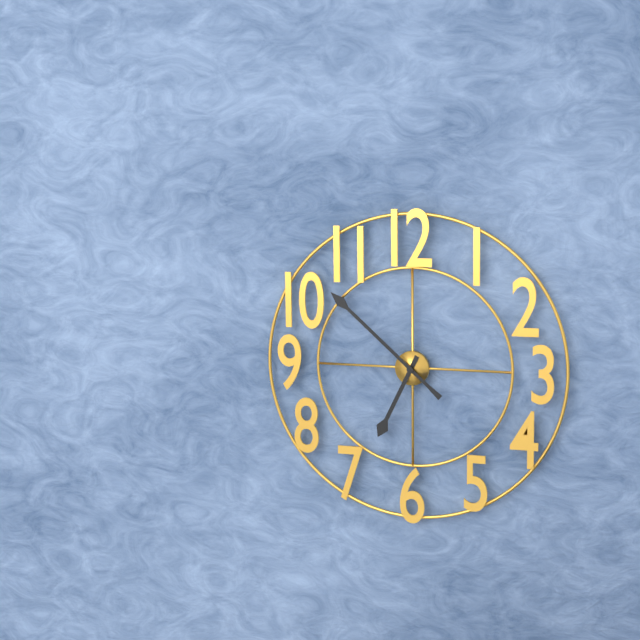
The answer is 6:52
